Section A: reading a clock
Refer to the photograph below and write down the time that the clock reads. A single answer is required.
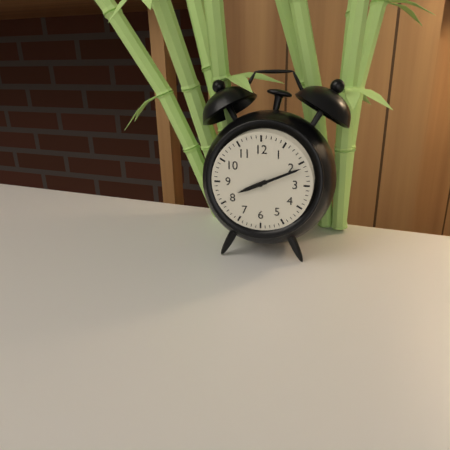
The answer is 8:11
